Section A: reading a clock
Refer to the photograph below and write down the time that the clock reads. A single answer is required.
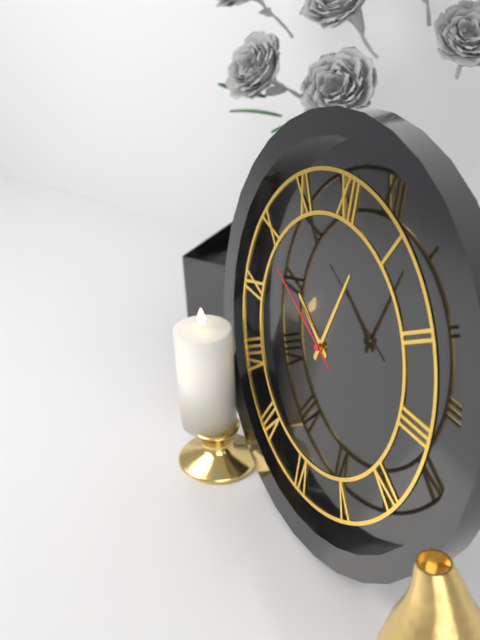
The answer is 10:03:49
